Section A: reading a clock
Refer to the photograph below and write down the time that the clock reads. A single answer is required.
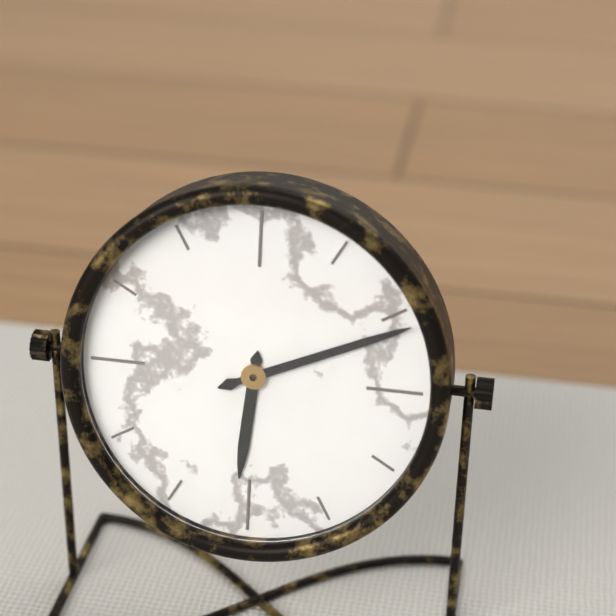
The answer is 6:11
